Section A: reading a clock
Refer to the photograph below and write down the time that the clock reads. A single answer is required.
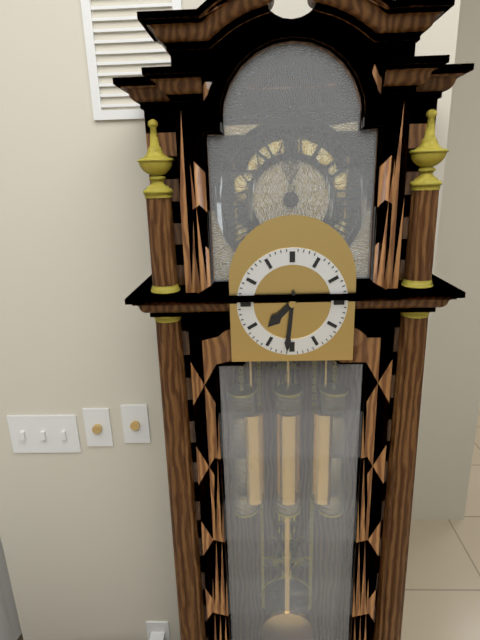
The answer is 7:31
